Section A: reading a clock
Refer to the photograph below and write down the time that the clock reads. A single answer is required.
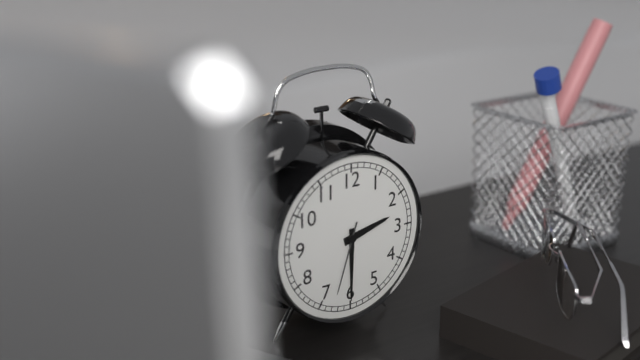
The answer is 2:30:33
